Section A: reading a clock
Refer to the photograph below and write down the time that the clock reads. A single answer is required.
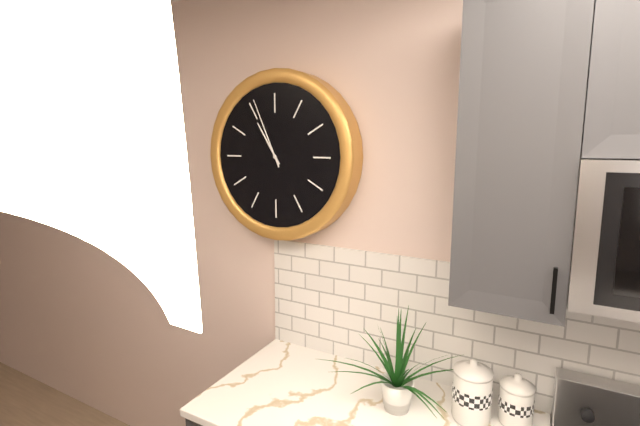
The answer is 10:56
